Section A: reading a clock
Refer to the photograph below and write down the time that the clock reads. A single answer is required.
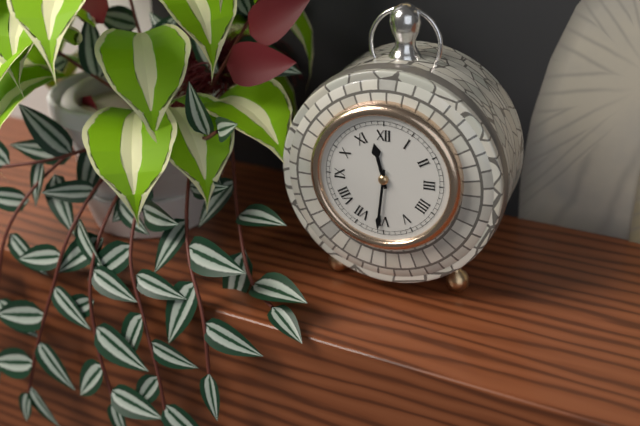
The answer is 11:31
